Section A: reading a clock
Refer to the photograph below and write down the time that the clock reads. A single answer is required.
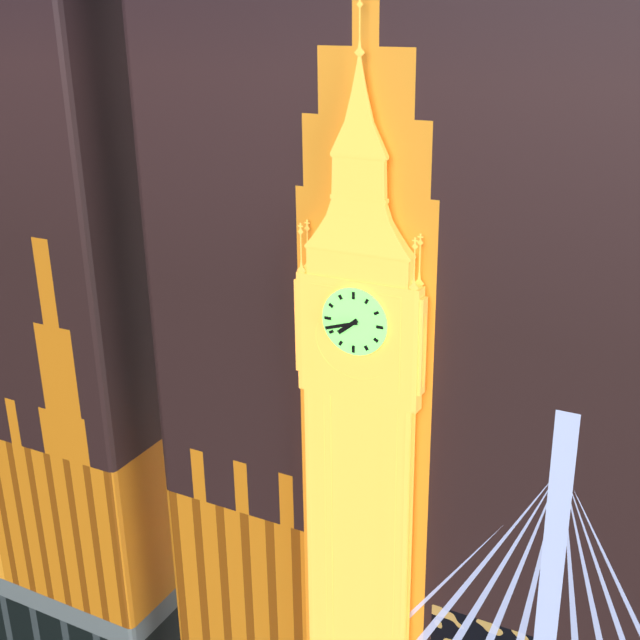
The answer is 7:42
